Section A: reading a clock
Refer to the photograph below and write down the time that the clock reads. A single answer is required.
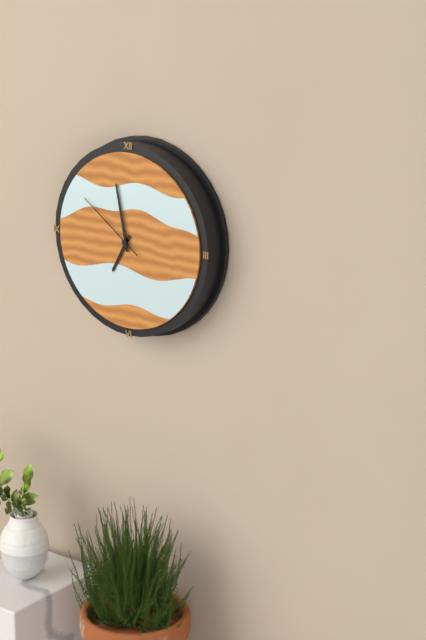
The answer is 6:58:51
